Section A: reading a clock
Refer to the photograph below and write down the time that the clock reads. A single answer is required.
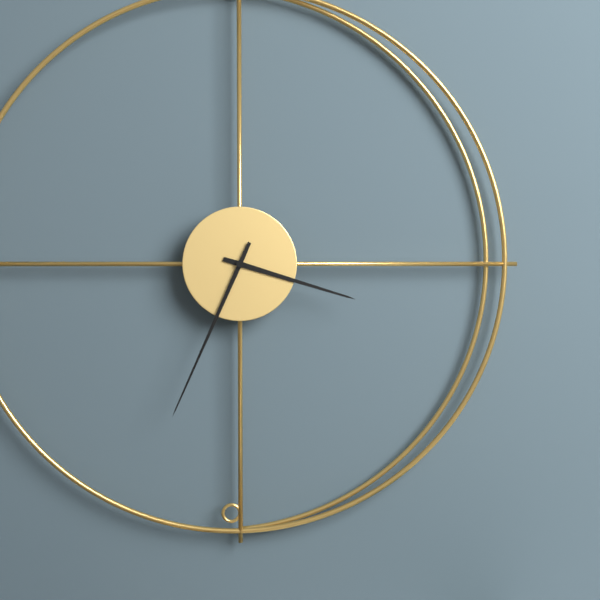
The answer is 3:34
